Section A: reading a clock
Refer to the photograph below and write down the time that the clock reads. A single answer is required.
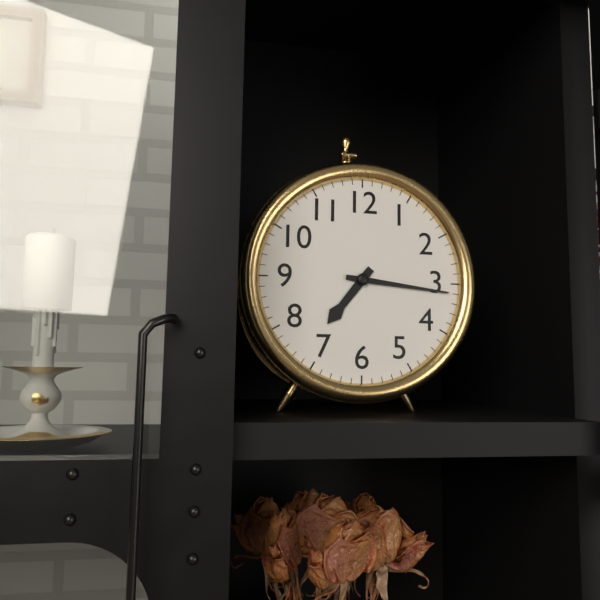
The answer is 7:16
